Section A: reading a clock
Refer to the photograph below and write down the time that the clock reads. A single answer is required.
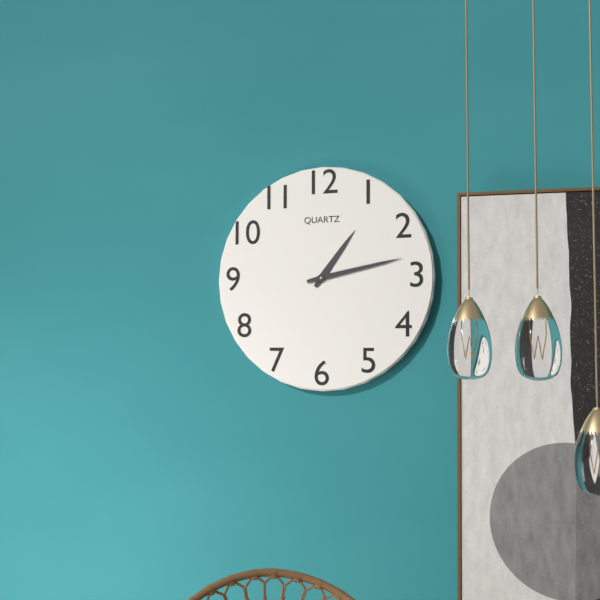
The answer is 1:13
